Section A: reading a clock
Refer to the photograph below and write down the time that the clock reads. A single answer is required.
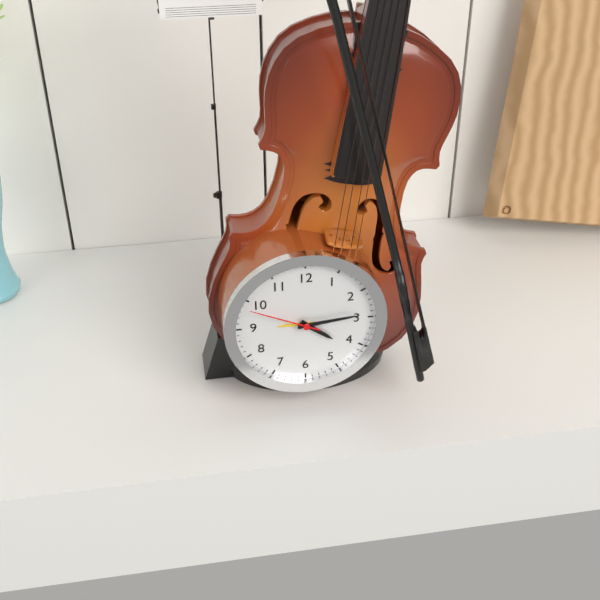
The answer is 4:14:49
